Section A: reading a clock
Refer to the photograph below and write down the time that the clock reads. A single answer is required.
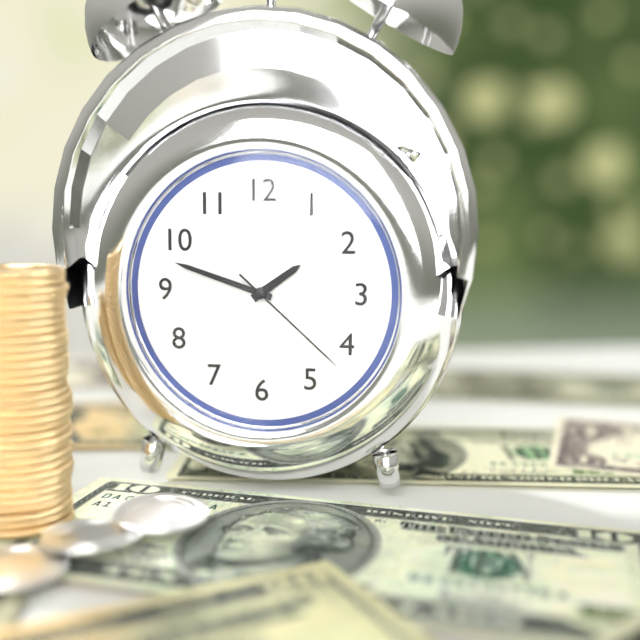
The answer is 1:48:22
